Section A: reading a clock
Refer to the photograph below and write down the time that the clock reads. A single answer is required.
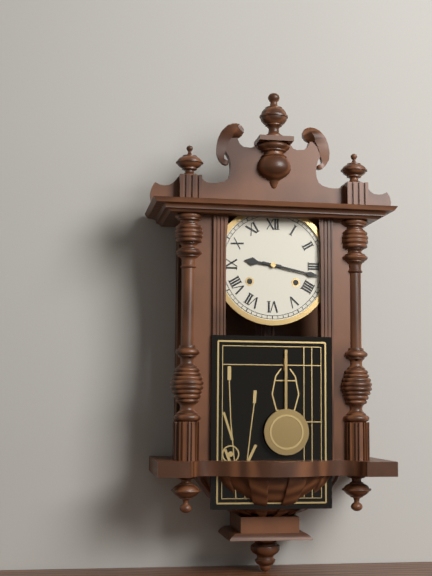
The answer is 9:17
